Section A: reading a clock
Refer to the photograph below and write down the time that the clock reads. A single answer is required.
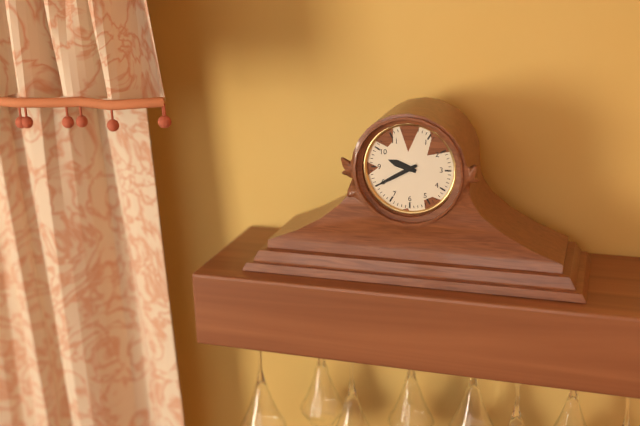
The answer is 9:40
